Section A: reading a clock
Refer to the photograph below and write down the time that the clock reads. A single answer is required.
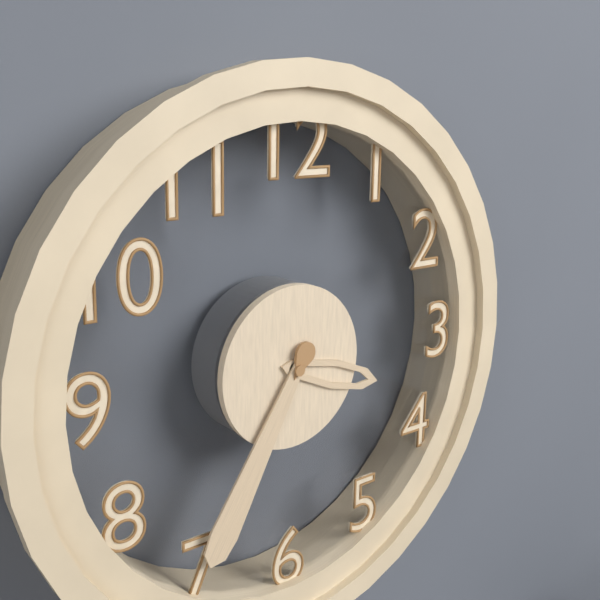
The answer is 3:35
